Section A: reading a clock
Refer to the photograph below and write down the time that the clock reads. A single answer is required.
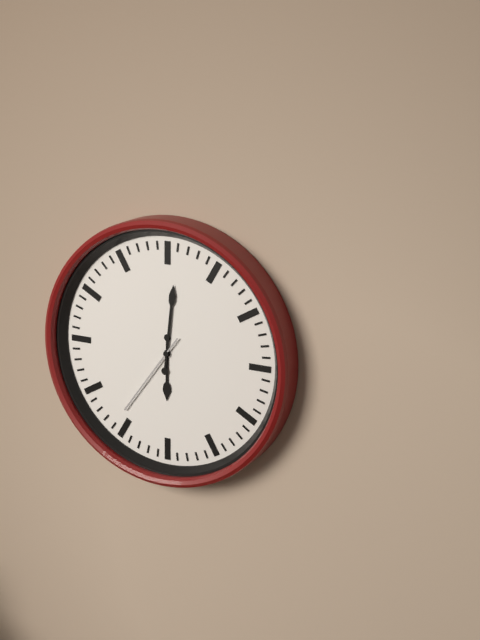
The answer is 6:01:36
